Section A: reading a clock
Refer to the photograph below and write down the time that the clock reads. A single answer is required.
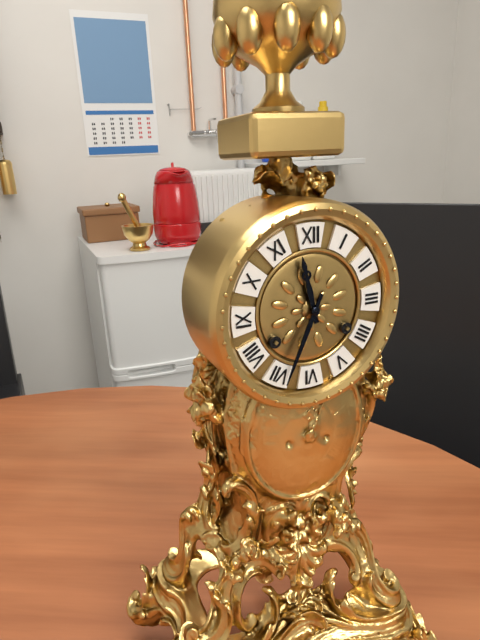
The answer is 11:34
